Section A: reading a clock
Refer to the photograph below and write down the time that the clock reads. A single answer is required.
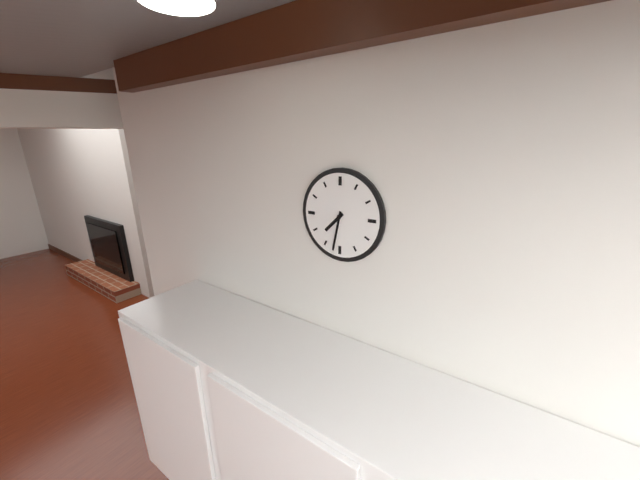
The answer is 7:32
